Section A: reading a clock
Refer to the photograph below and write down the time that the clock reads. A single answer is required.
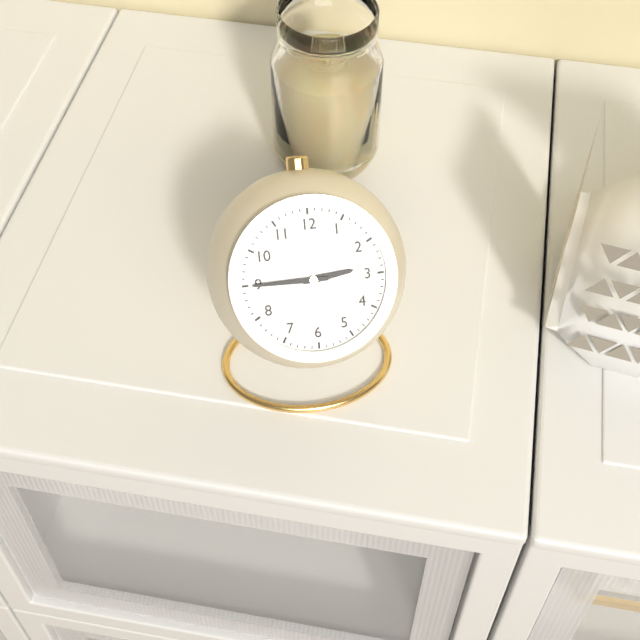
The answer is 2:45
